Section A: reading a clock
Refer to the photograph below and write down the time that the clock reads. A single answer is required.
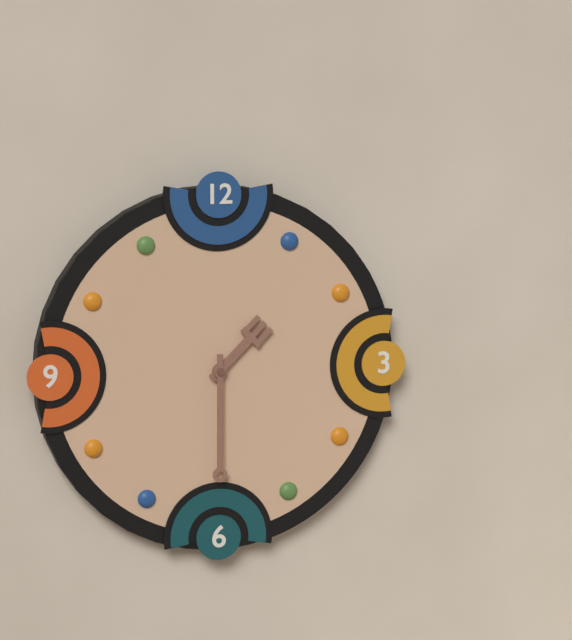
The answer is 1:30
